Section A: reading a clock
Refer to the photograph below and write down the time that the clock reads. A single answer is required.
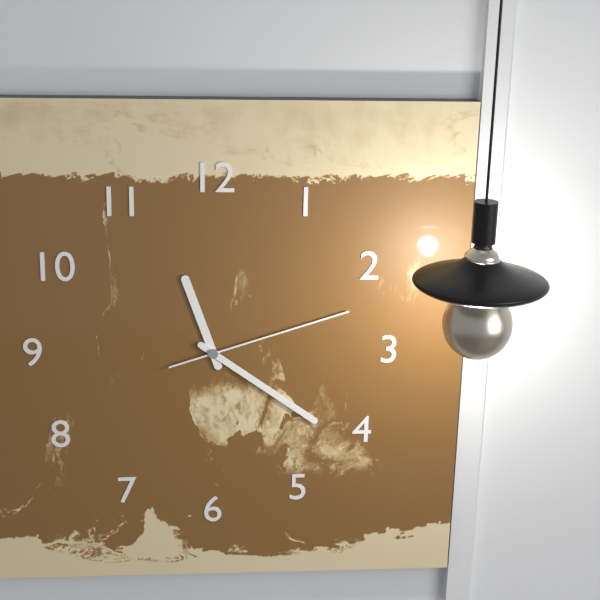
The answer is 11:21:12
